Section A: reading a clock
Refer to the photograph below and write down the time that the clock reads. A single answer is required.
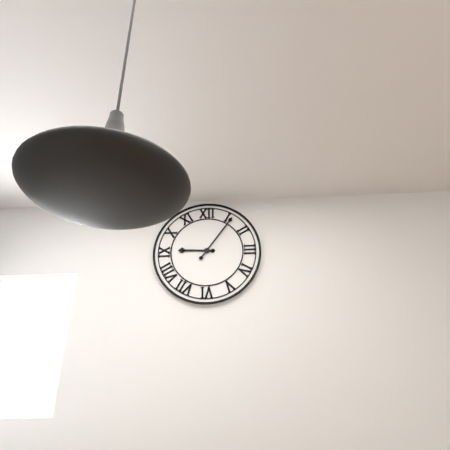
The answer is 9:06
